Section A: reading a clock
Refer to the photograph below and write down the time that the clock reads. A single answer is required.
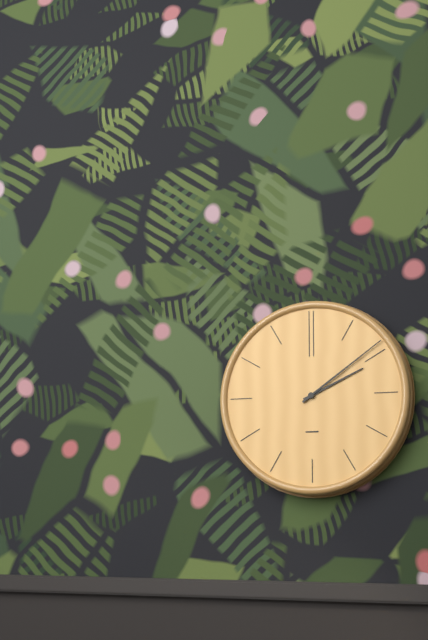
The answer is 2:09
